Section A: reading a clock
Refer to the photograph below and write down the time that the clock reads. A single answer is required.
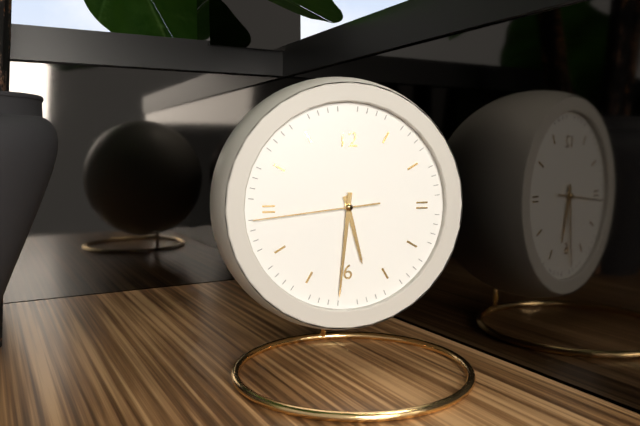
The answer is 5:31:44
